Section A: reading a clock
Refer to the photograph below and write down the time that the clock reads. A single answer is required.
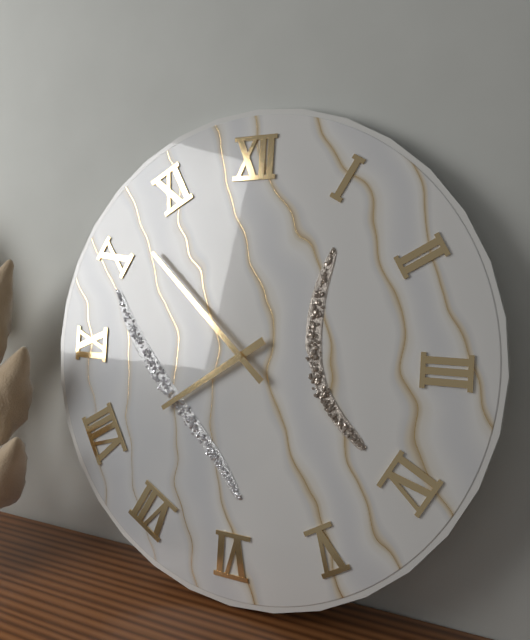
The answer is 7:52
